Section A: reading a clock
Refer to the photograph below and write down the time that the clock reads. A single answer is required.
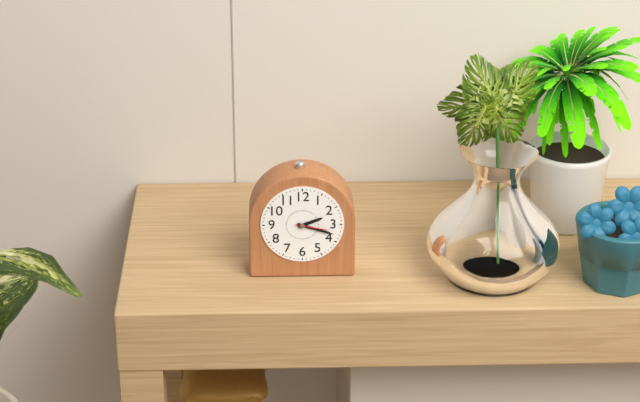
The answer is 2:18
